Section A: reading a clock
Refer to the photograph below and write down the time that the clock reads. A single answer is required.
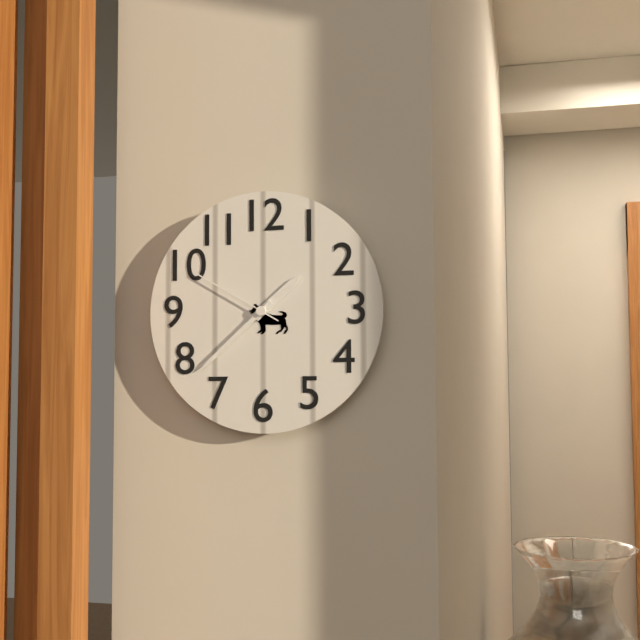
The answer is 1:38:50
